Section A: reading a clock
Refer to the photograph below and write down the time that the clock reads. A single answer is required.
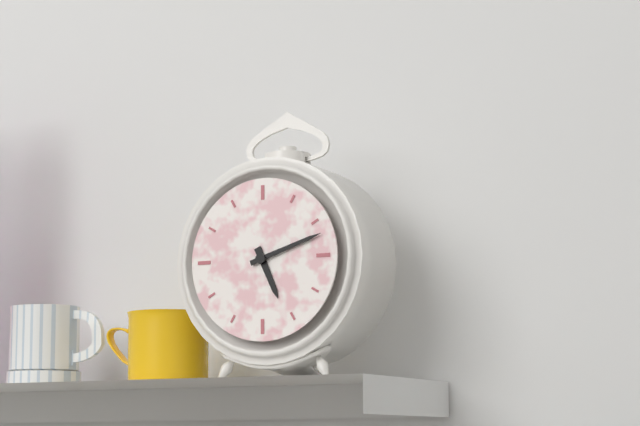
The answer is 5:12
